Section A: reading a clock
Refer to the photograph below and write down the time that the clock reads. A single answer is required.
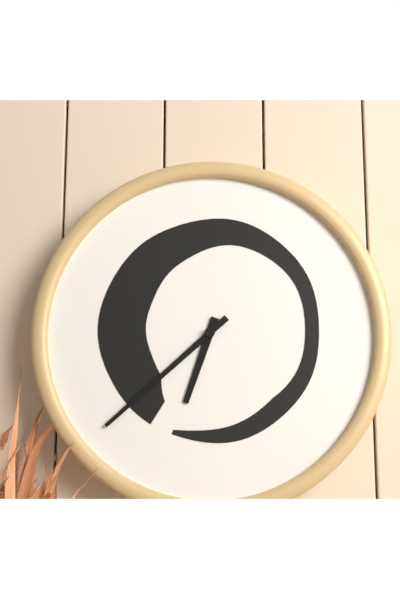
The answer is 6:38
